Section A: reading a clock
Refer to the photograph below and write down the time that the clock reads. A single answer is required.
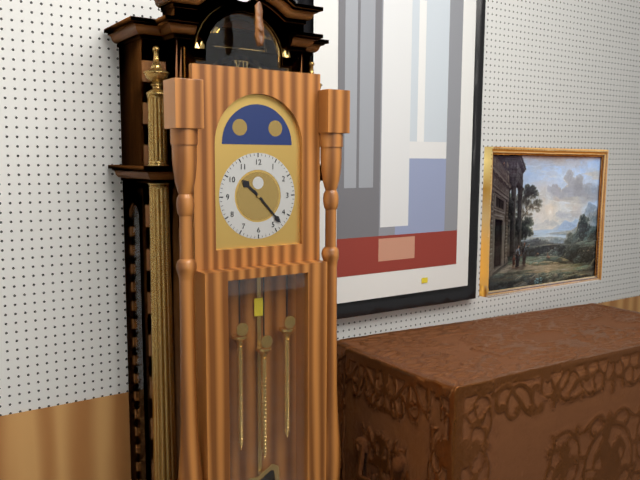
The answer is 10:23
